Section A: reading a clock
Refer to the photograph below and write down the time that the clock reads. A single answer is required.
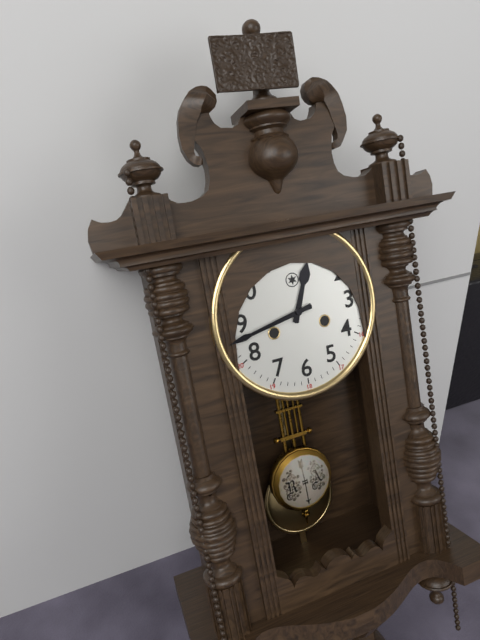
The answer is 12:43
